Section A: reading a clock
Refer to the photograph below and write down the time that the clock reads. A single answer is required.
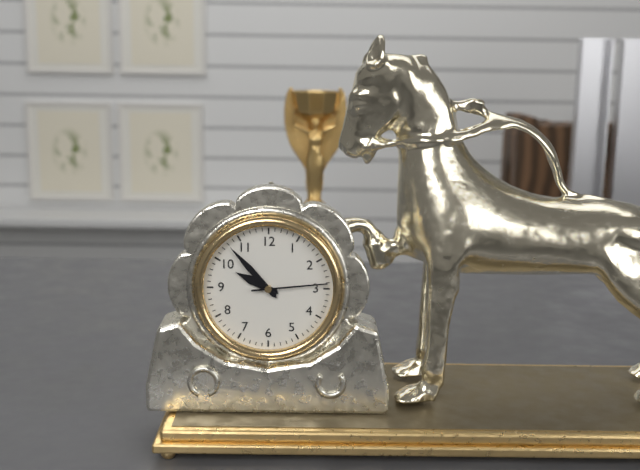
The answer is 9:53:14
